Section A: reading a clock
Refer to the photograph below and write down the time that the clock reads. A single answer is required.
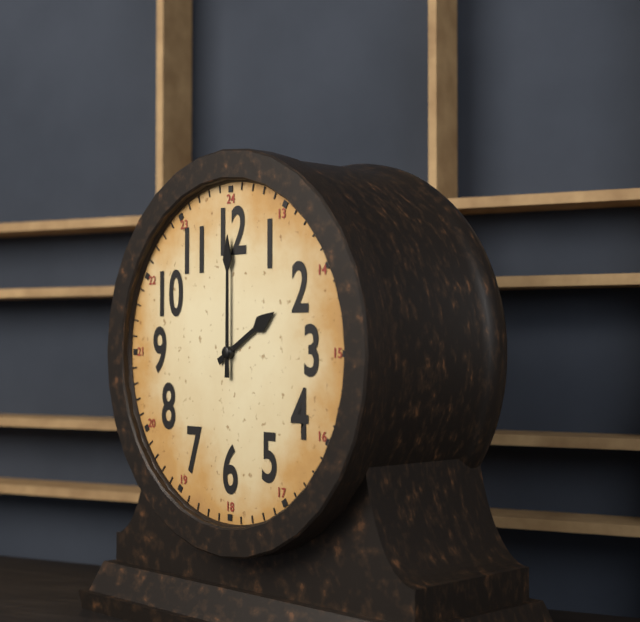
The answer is 2:00
